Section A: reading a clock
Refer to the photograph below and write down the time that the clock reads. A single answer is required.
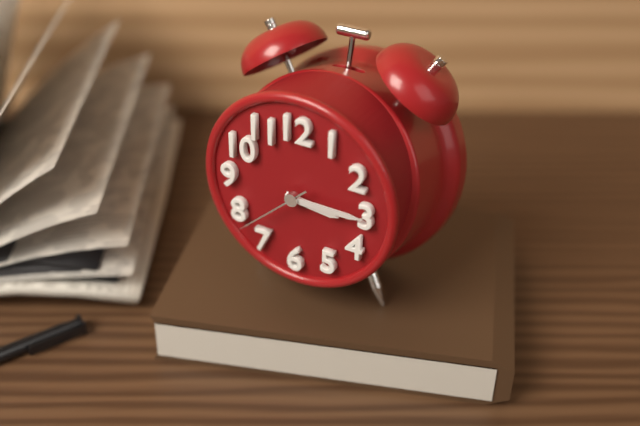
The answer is 3:15:38
